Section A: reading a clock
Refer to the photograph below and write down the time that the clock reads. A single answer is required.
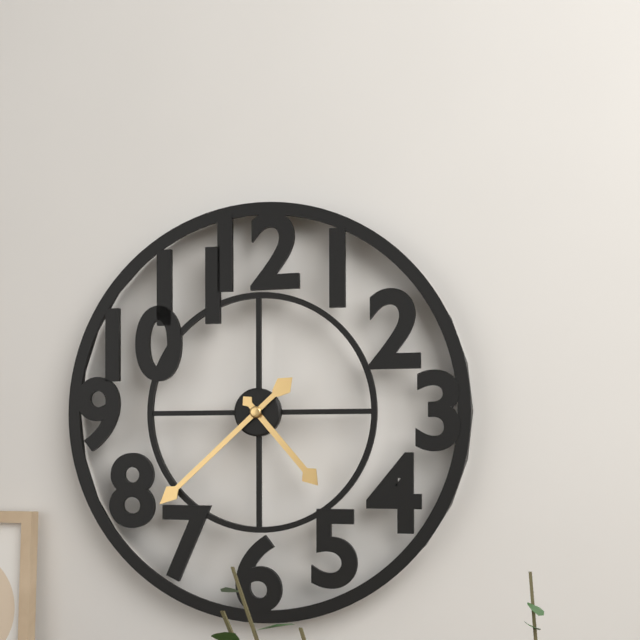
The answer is 4:38
